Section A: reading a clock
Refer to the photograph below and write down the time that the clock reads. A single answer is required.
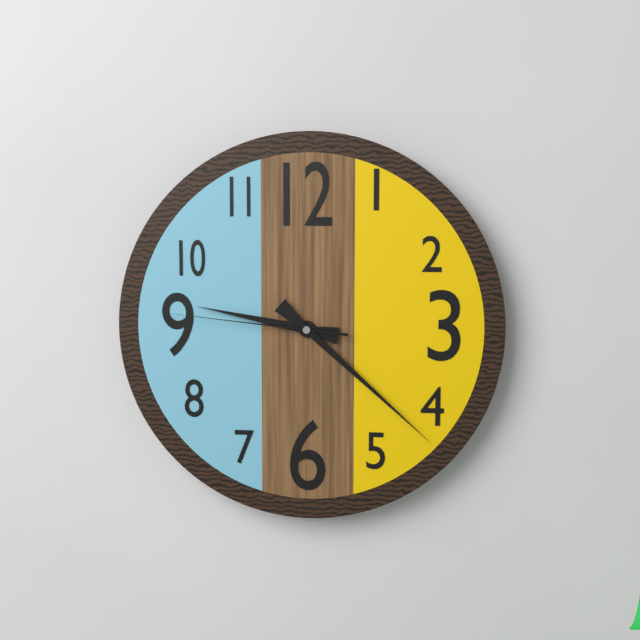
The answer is 9:22:46
